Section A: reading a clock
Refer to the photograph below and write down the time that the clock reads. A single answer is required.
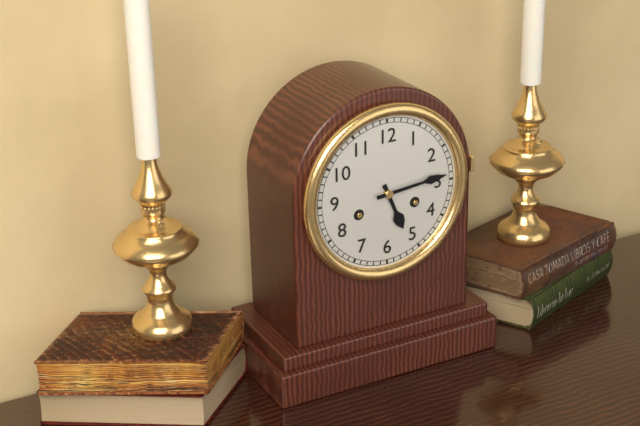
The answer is 5:14
